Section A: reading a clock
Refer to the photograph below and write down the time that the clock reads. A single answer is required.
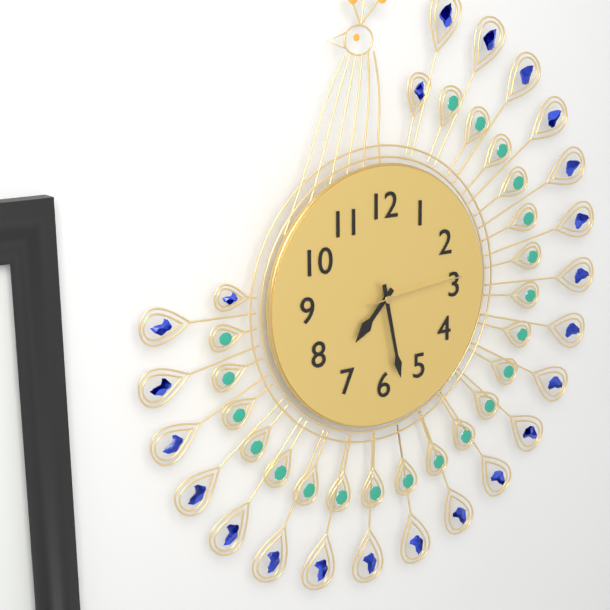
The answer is 7:28:14
